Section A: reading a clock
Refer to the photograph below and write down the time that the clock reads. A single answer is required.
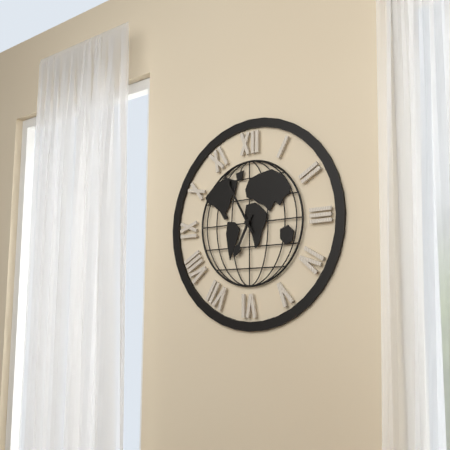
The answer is 6:55
